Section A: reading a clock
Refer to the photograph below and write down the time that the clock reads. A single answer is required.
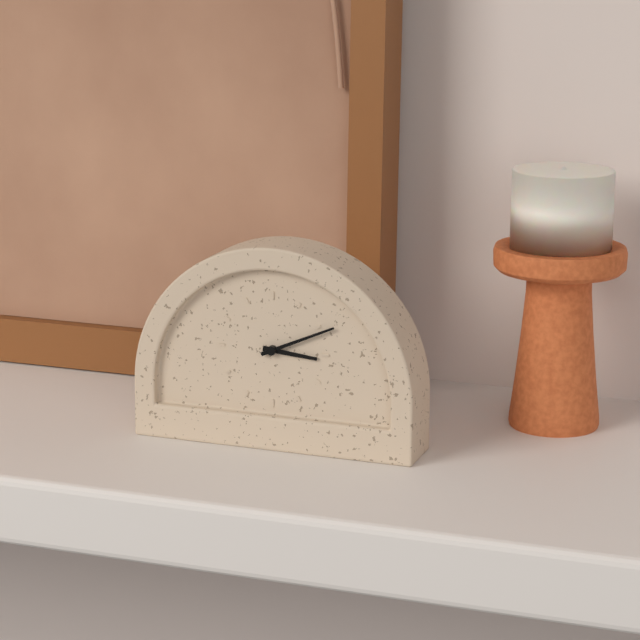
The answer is 3:11
